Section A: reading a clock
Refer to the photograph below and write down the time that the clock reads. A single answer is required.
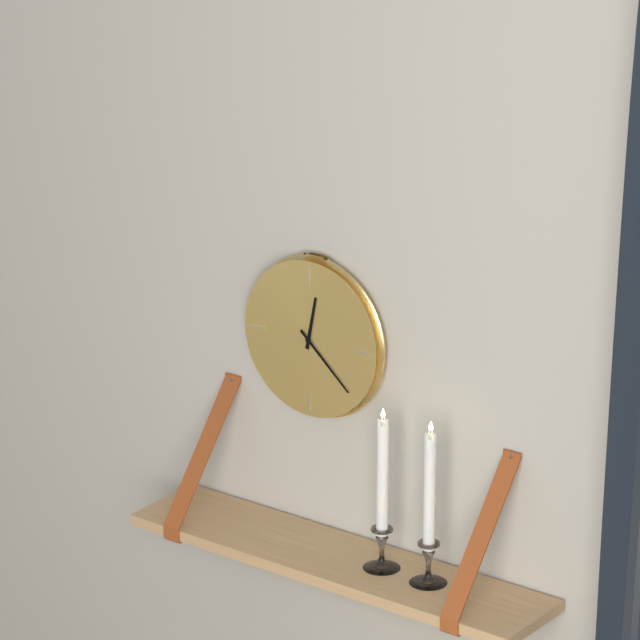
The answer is 12:22
